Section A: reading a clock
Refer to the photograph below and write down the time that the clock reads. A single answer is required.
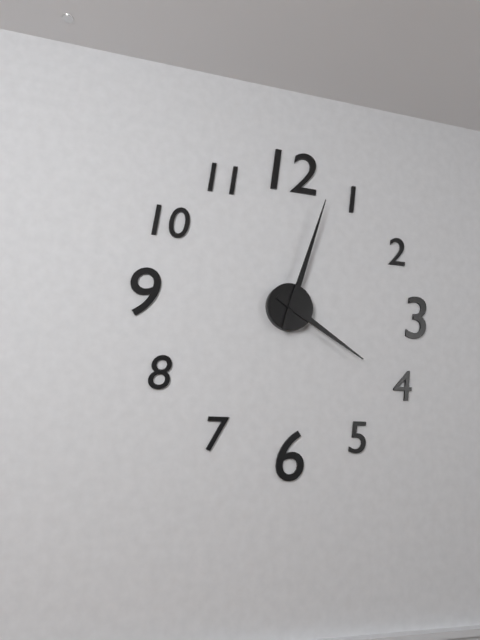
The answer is 4:03
